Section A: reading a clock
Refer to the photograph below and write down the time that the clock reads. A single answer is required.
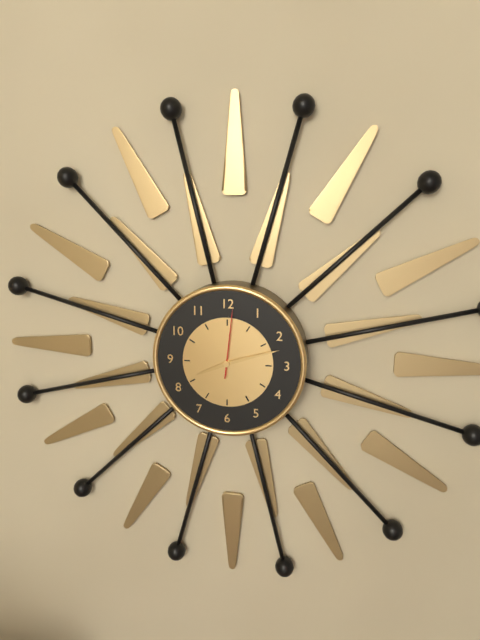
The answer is 8:12:01
